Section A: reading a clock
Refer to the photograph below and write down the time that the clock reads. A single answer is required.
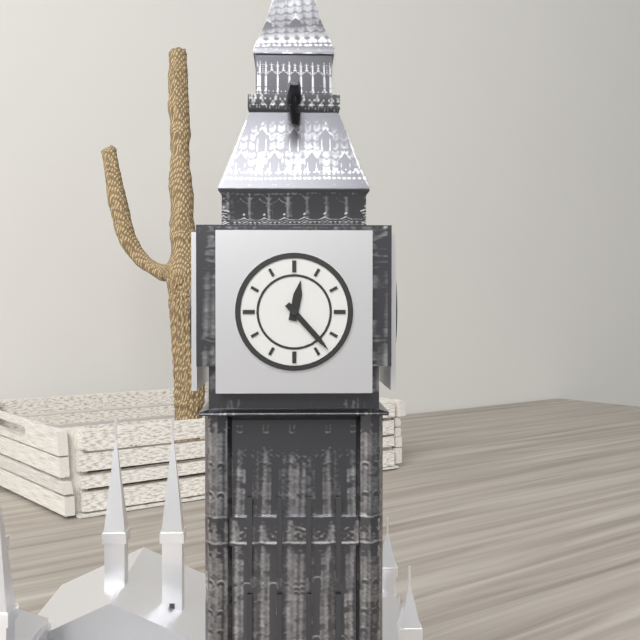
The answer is 12:23
